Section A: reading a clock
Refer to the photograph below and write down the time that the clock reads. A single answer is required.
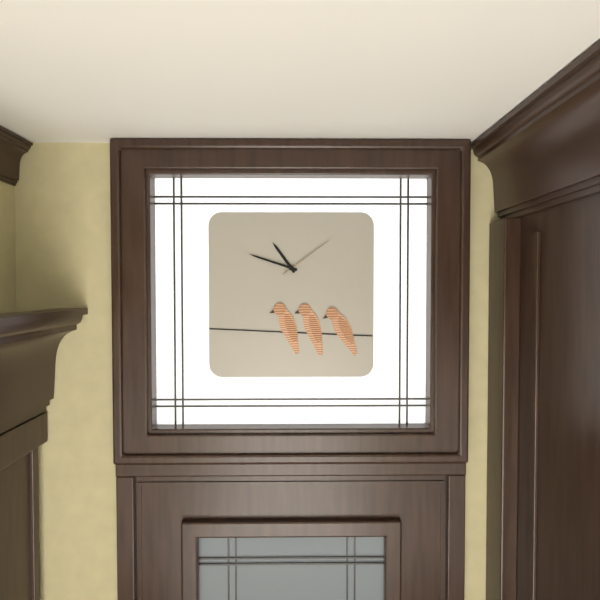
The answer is 10:48:09
